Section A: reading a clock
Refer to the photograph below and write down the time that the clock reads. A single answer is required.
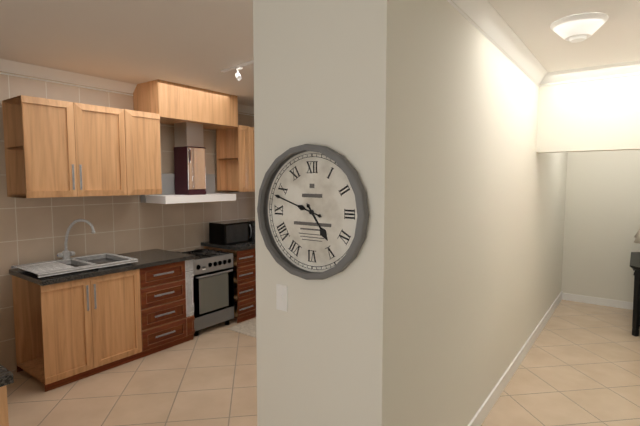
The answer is 4:48
